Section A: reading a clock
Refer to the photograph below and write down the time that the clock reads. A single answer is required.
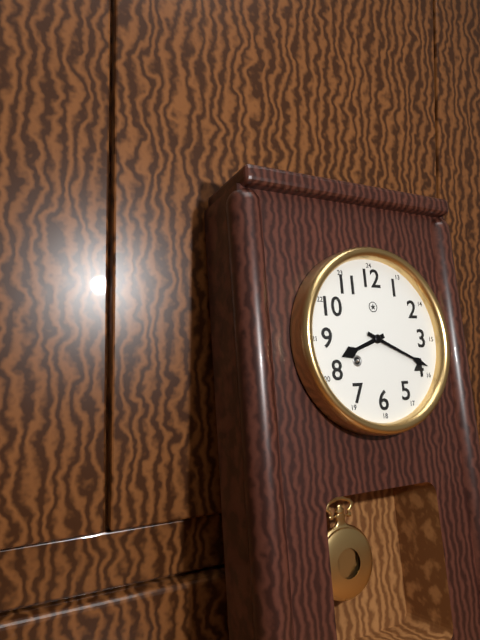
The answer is 8:19
